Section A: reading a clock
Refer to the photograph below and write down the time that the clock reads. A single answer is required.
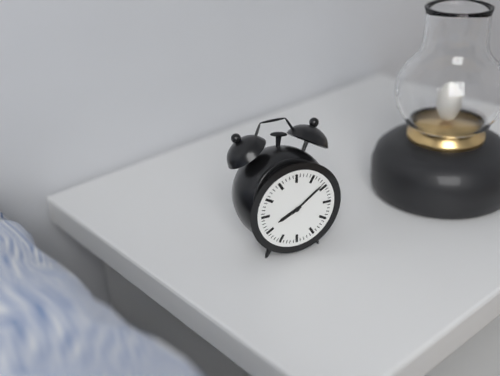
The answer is 8:09
